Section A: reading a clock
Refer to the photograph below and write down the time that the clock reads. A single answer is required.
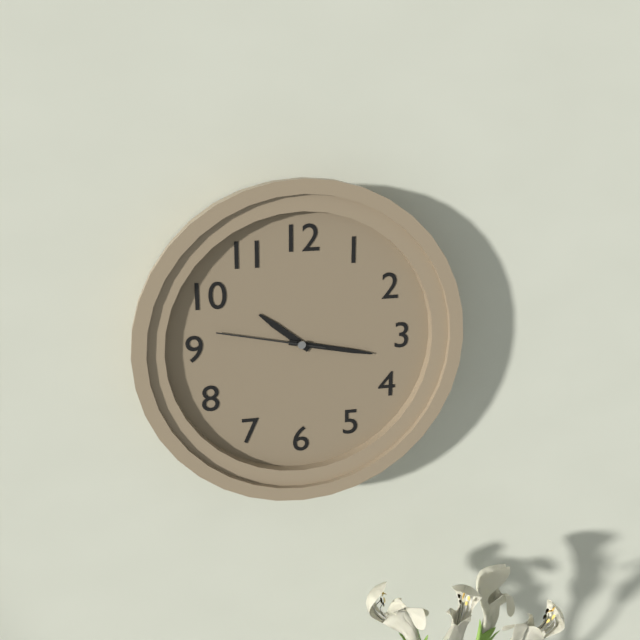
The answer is 10:17:47
